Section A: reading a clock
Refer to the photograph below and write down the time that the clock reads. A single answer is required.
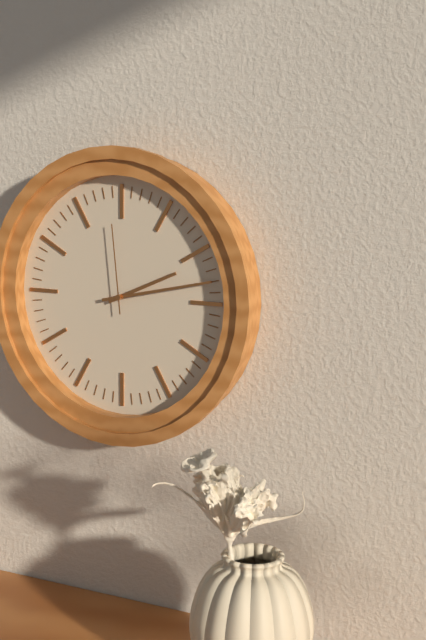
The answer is 2:13:59
